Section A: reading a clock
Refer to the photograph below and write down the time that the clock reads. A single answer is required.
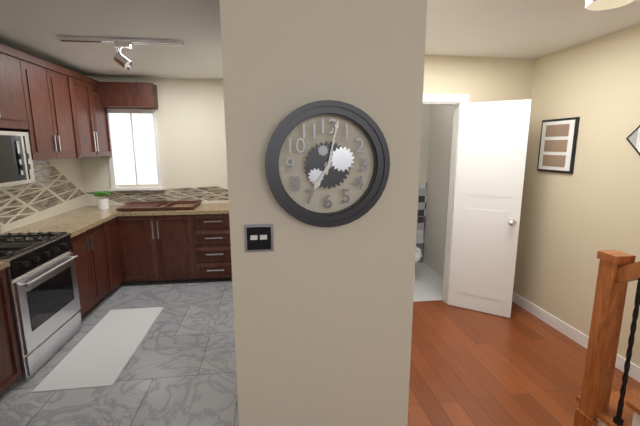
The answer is 7:02
